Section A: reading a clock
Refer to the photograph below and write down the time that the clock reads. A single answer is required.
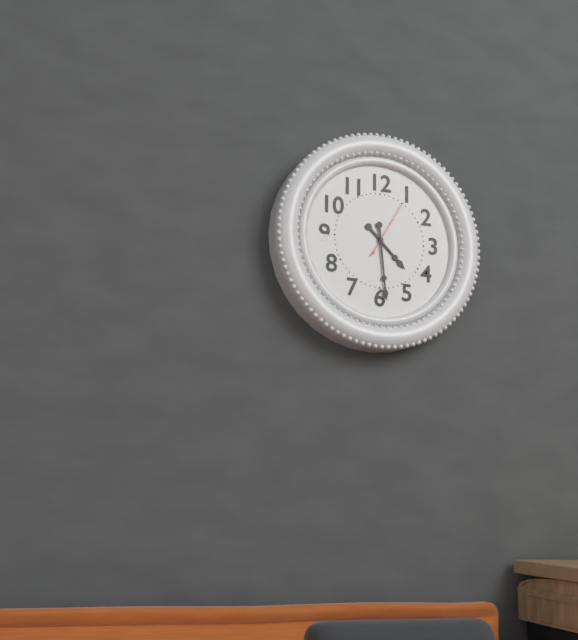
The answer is 4:29:05
